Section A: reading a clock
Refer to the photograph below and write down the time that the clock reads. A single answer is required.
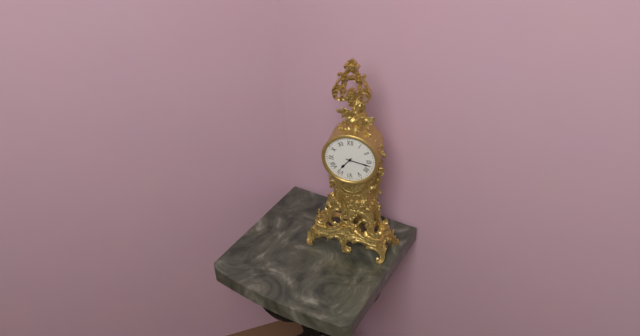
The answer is 7:17
